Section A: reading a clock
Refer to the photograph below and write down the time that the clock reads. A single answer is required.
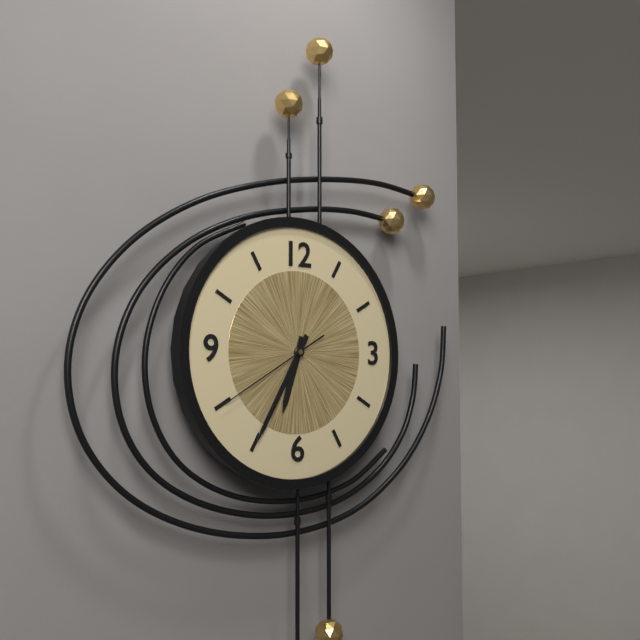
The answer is 6:35:40
